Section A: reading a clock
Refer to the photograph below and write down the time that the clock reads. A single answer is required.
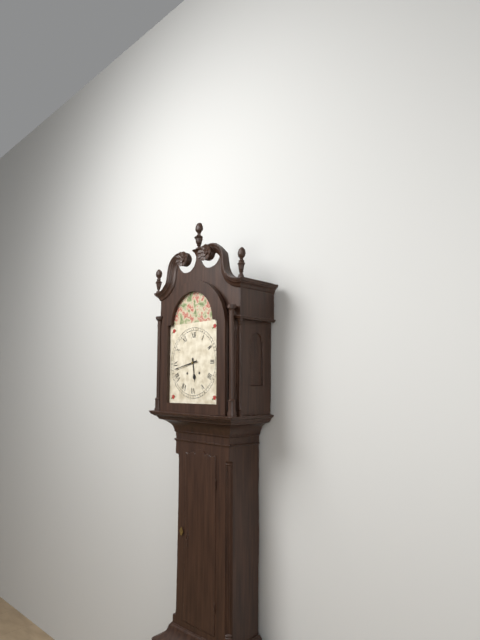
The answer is 5:43
